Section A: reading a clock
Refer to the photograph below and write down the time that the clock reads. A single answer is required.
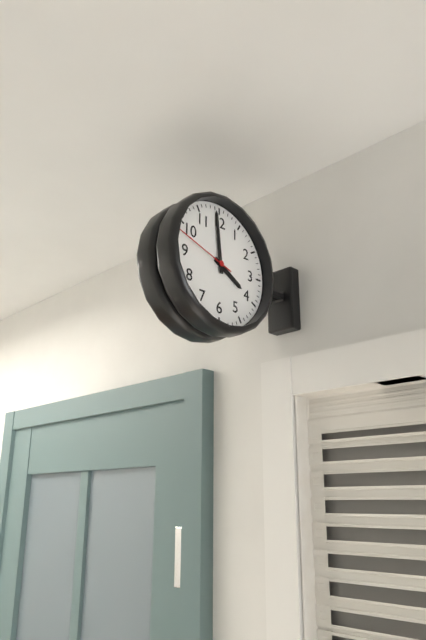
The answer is 3:59:48
